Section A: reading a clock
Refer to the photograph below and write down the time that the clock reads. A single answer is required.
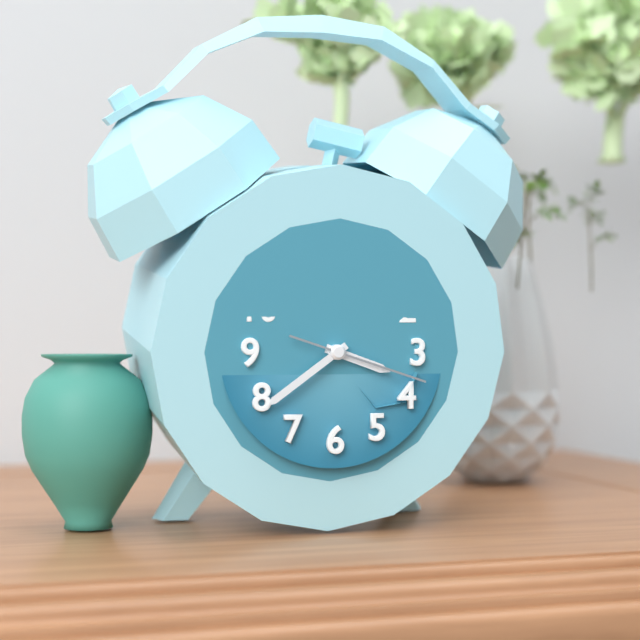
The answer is 3:39:18
